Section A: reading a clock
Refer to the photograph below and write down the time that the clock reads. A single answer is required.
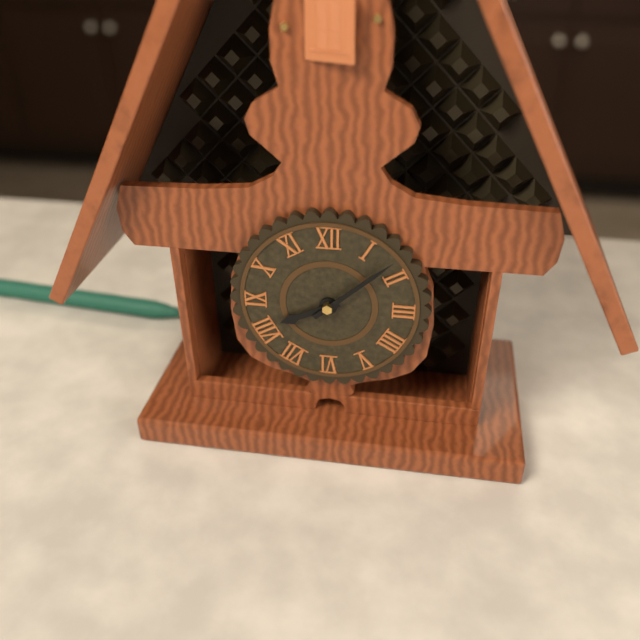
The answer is 8:08
